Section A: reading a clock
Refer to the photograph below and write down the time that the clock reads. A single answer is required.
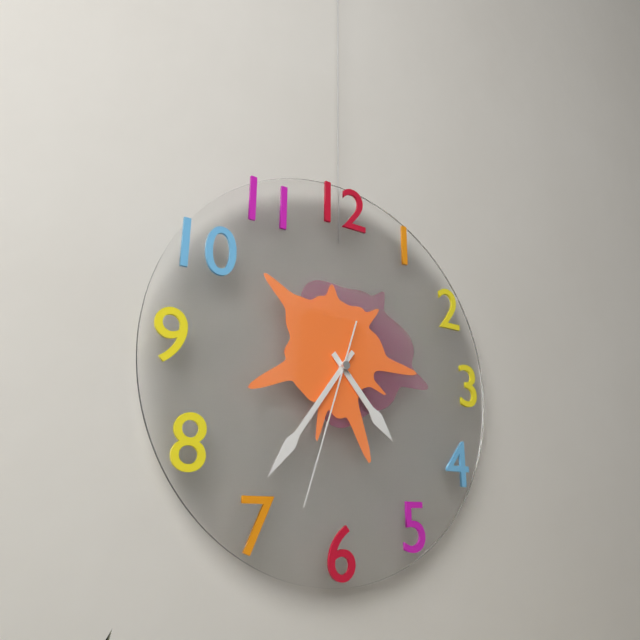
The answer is 4:36:33
